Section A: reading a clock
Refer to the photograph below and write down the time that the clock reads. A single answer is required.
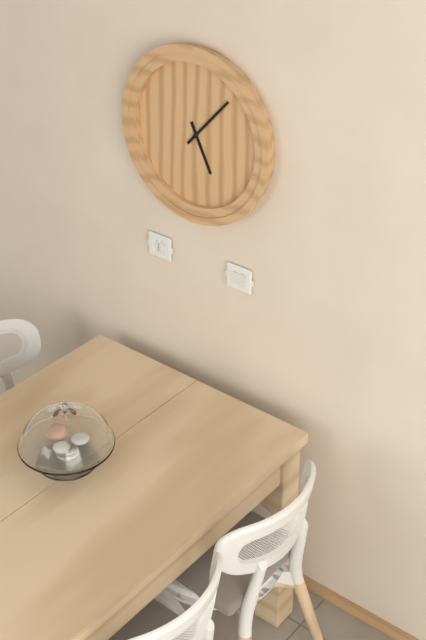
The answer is 5:07
